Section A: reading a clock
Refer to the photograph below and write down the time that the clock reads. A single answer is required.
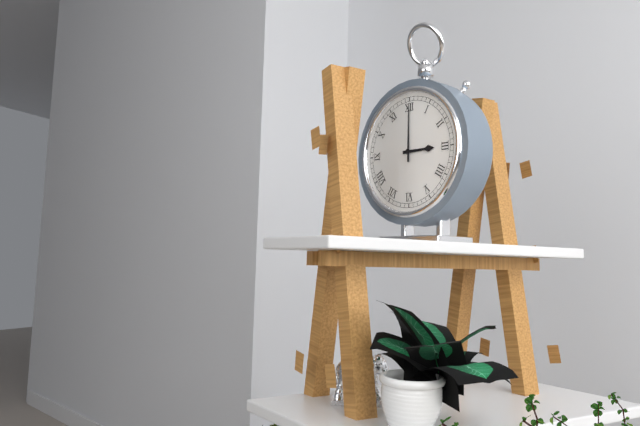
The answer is 3:00
